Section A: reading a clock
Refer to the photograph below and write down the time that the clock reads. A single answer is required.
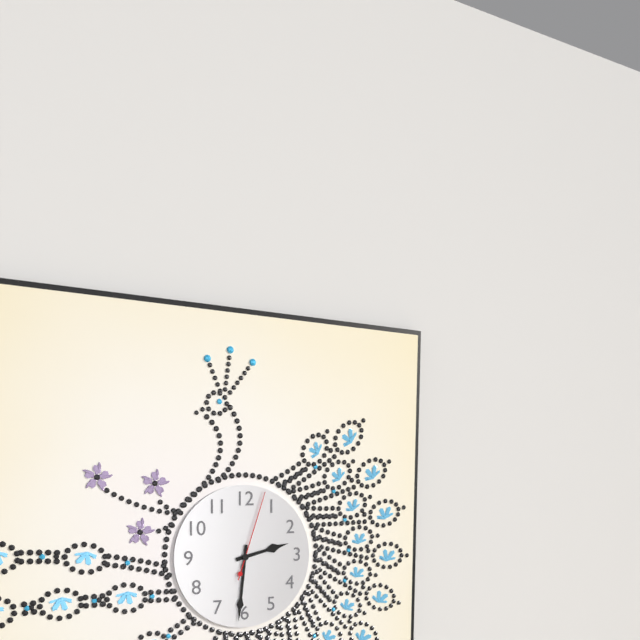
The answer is 2:31:03
